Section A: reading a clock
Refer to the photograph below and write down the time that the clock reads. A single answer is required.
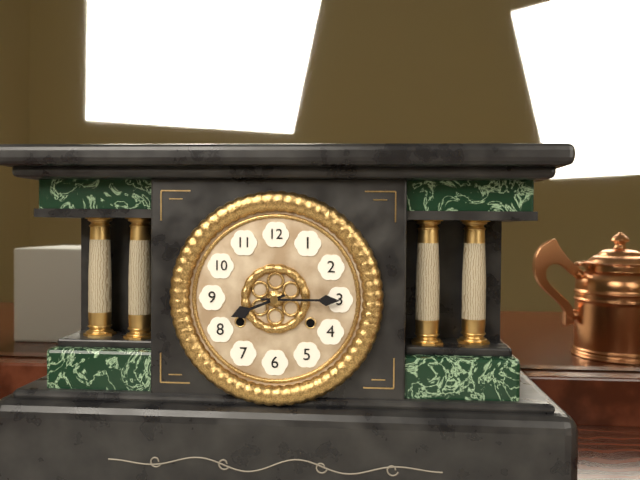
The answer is 8:15
